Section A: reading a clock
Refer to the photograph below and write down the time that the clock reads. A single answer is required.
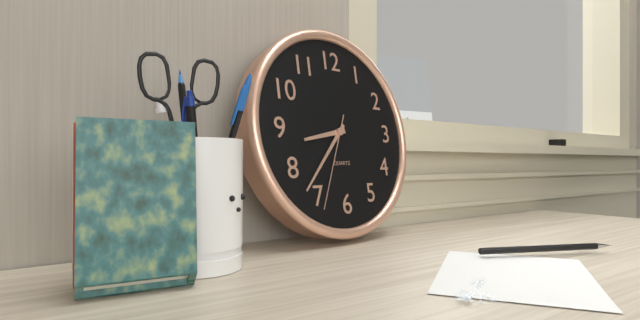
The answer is 8:37:34
